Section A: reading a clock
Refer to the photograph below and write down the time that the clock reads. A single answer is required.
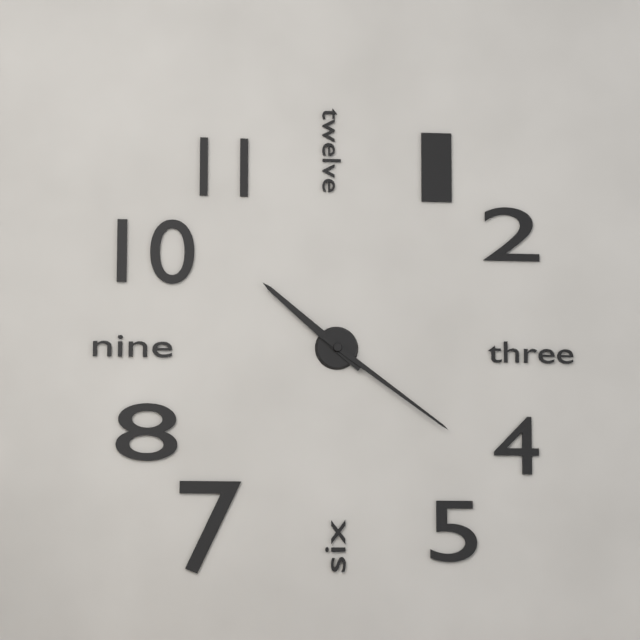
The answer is 10:21
